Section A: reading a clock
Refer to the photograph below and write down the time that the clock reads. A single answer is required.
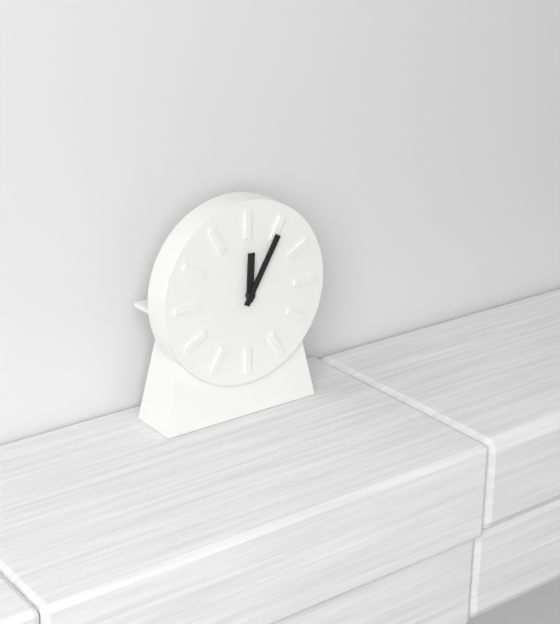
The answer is 12:05
